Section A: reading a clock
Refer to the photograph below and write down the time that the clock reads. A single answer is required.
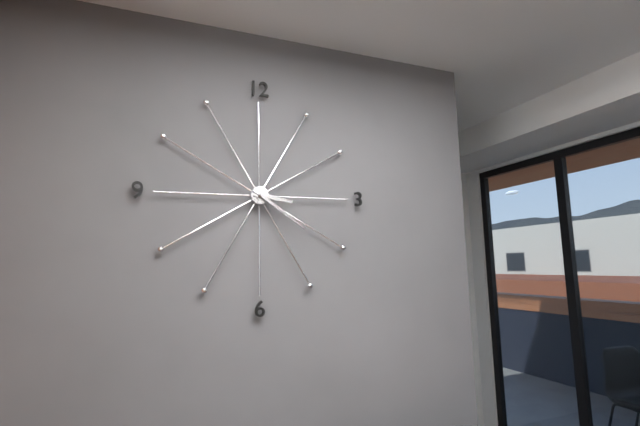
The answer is 3:21
